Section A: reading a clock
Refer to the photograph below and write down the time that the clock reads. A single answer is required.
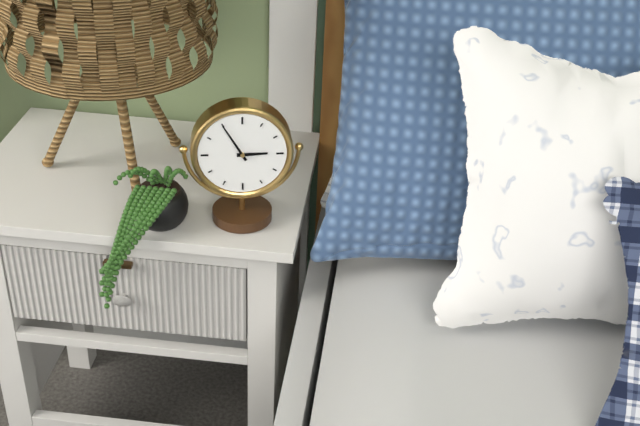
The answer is 2:55
